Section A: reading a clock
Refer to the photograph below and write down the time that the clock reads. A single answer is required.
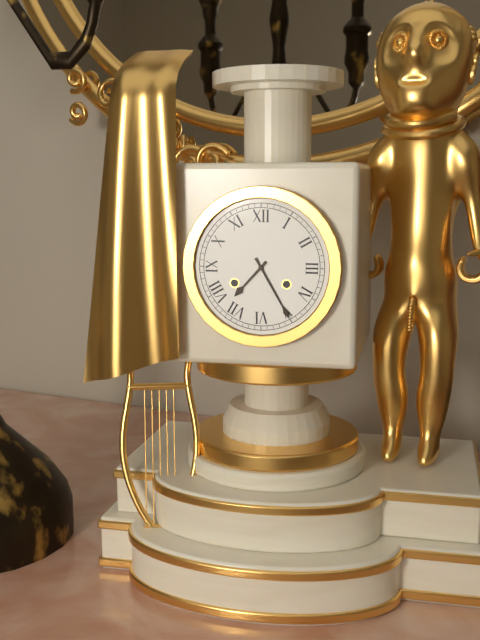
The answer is 7:25
